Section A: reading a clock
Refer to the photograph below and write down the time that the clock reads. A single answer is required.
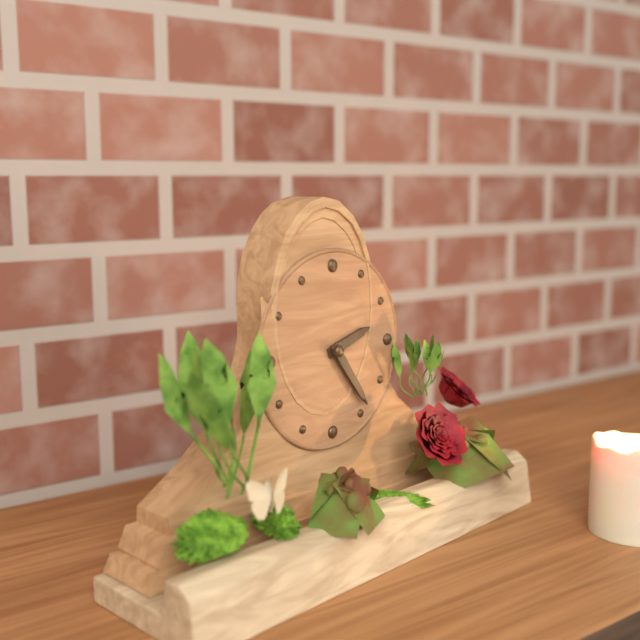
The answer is 2:24
